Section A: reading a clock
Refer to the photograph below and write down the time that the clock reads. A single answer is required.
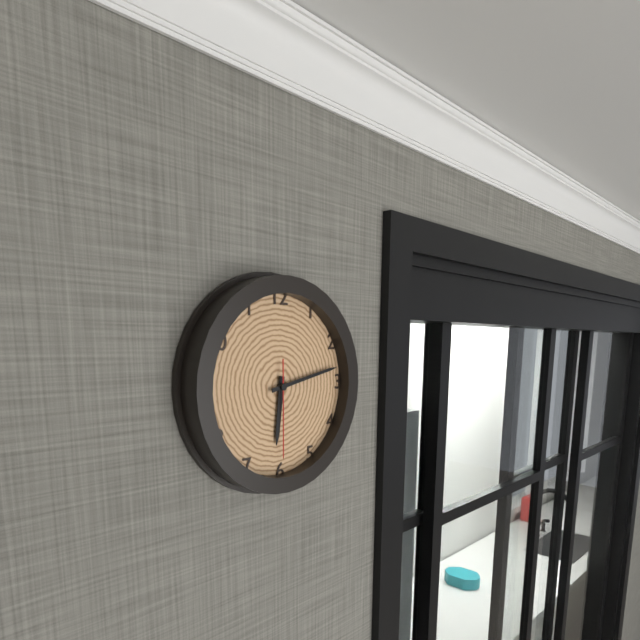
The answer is 6:13:30
